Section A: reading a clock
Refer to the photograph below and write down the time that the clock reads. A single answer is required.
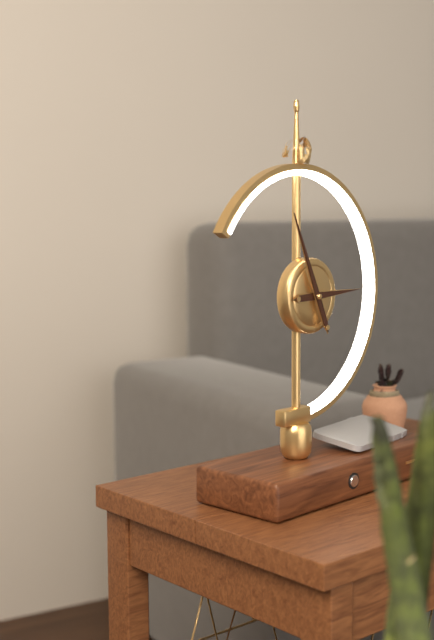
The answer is 2:56
